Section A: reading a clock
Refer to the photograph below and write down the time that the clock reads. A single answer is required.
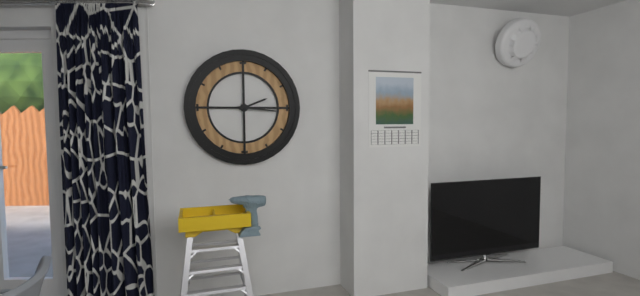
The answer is 2:16
